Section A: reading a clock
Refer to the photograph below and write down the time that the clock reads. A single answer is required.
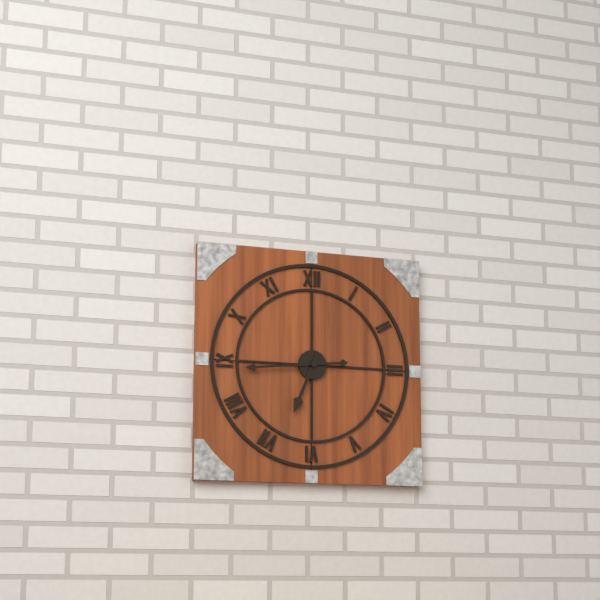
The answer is 6:44
